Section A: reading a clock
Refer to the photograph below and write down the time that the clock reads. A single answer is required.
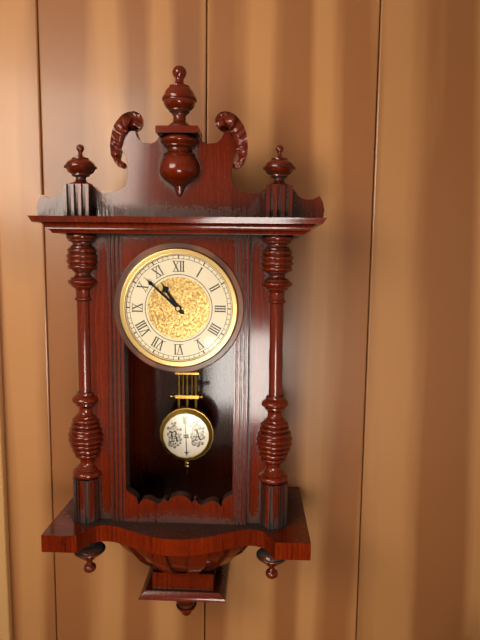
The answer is 10:52
